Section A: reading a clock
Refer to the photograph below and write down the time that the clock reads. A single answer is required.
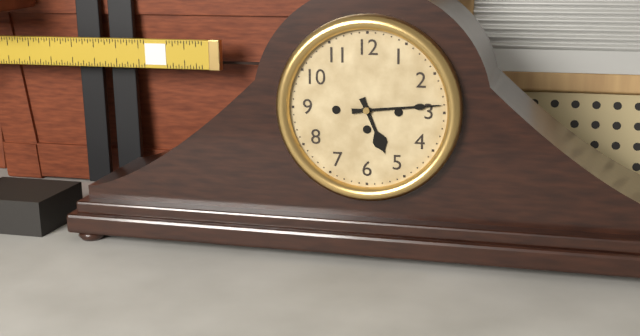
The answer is 5:14
